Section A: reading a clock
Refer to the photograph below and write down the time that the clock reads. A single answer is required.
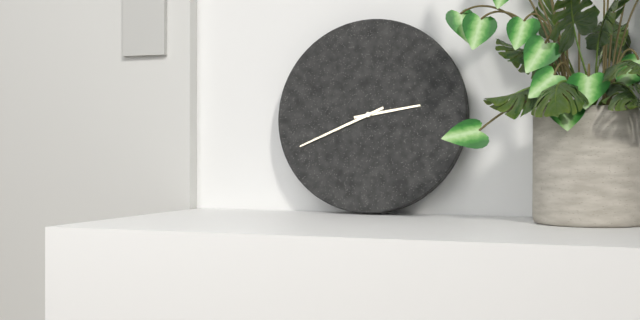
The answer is 2:41
